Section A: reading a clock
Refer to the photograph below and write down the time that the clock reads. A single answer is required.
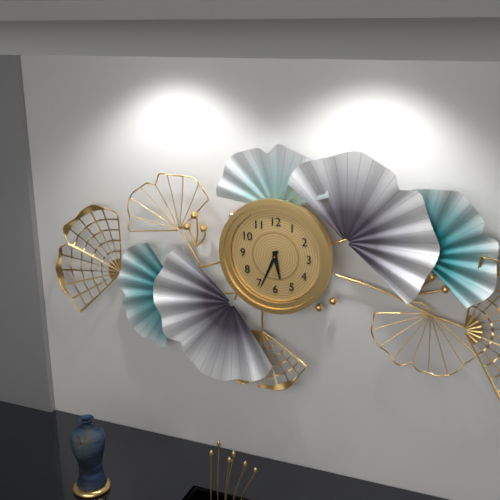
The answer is 5:34
